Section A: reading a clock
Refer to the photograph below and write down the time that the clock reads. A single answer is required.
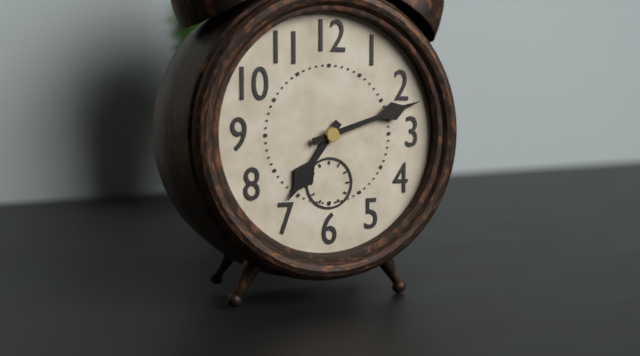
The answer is 7:12
